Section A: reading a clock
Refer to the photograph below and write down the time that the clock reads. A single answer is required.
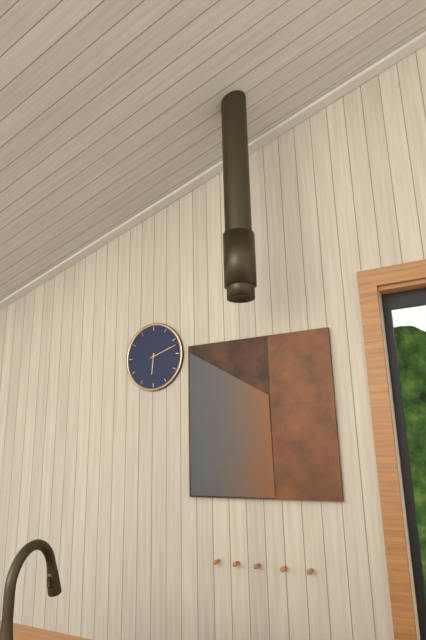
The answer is 6:12
